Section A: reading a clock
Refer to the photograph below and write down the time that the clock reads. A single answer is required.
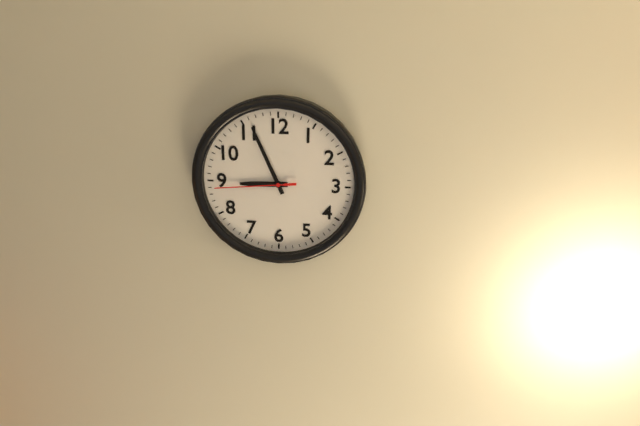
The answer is 8:56:44
